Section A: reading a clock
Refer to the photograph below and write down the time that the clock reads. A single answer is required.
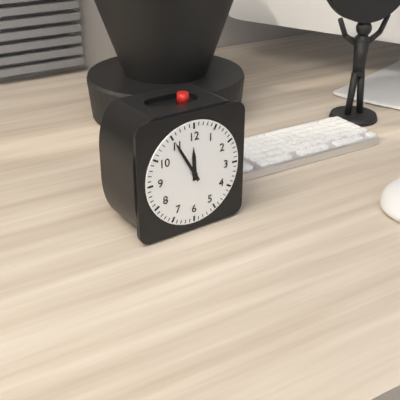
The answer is 11:55
